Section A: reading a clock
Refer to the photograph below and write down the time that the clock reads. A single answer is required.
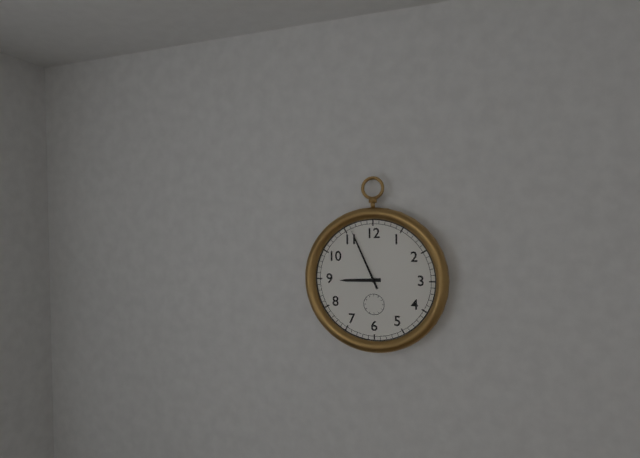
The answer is 8:56
